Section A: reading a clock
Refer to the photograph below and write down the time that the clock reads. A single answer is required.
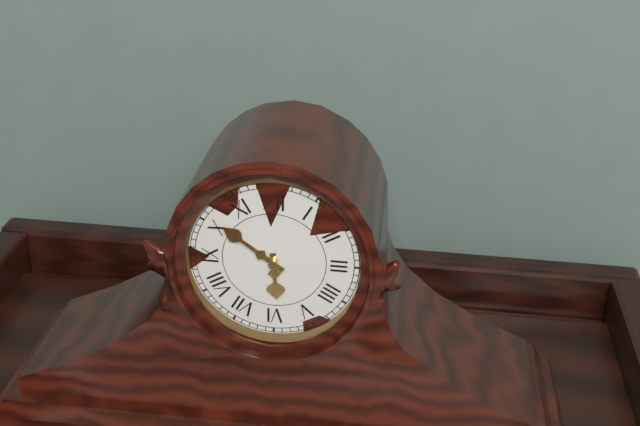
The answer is 5:51
